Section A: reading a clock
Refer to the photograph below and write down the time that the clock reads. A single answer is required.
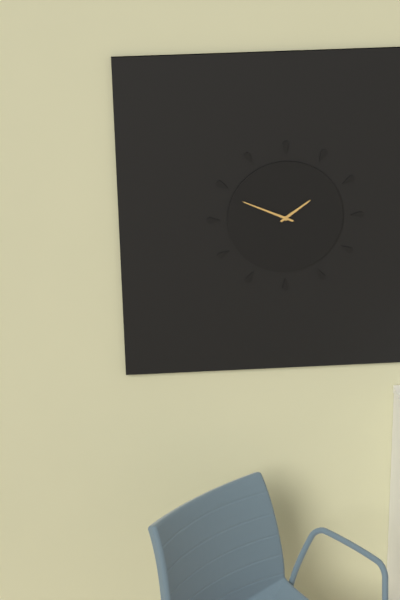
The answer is 1:49
